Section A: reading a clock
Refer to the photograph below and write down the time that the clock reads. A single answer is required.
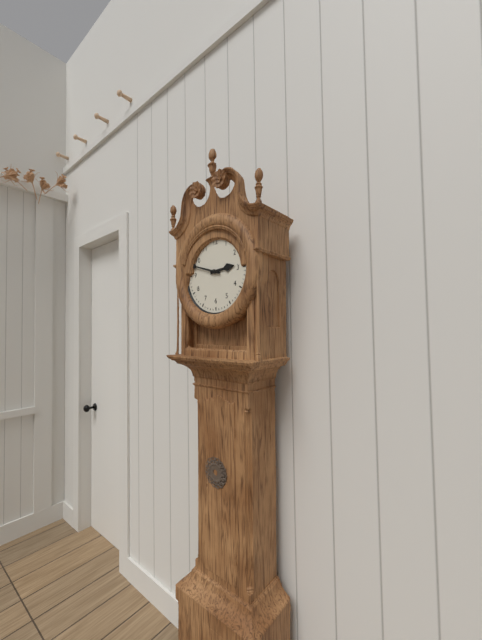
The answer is 2:48
